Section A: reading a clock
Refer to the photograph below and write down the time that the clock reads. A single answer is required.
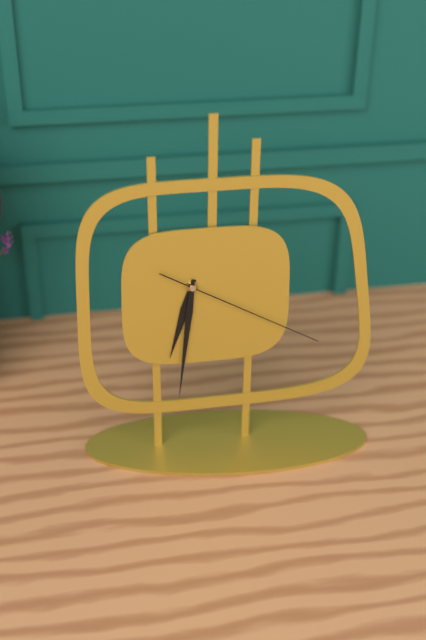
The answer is 6:31:20
